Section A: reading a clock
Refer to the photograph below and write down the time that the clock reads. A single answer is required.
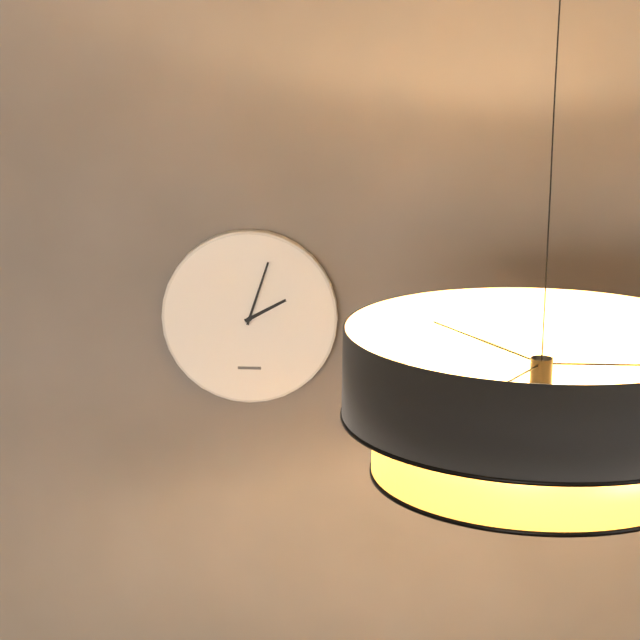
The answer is 2:03
